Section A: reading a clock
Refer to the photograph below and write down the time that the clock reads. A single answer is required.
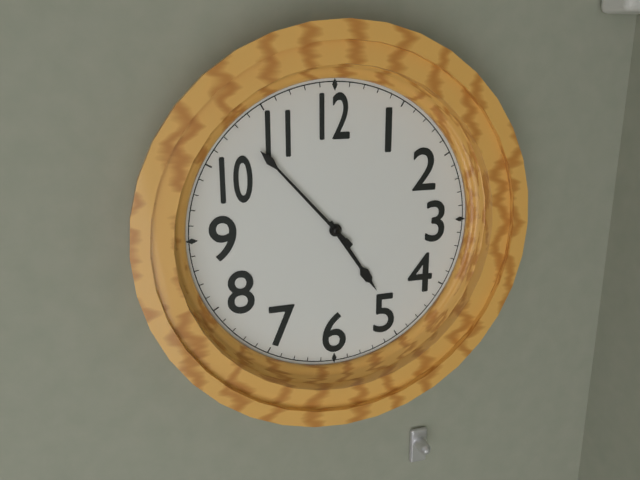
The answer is 4:53
